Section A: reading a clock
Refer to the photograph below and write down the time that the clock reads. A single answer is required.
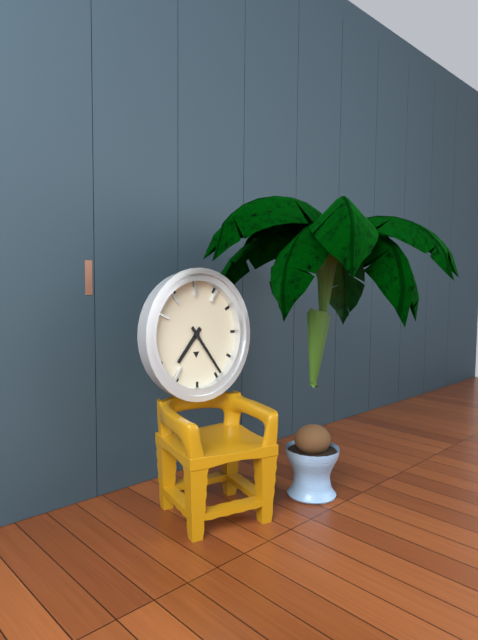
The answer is 7:24
